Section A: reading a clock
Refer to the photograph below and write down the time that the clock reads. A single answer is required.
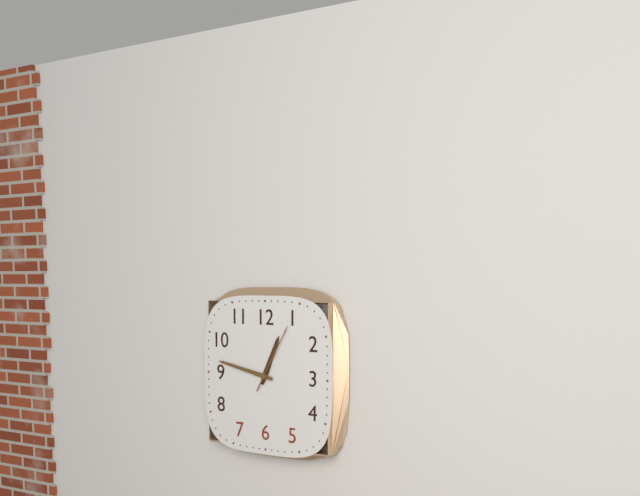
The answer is 12:47:05
